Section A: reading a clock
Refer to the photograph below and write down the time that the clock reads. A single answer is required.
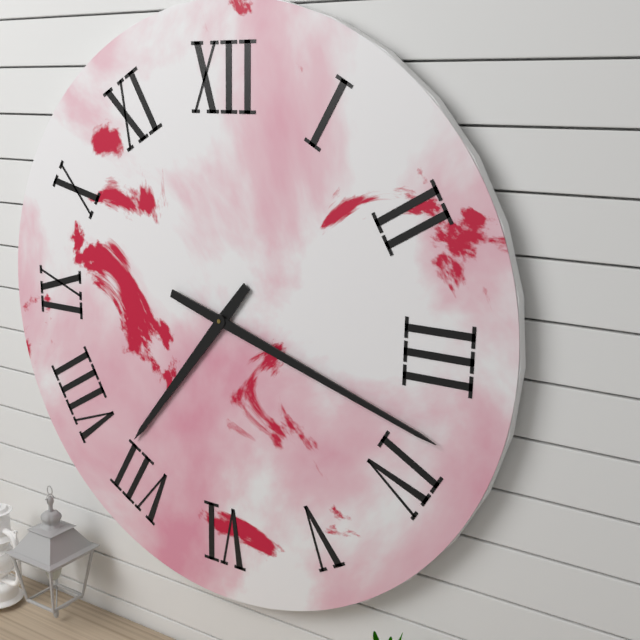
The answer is 7:18
